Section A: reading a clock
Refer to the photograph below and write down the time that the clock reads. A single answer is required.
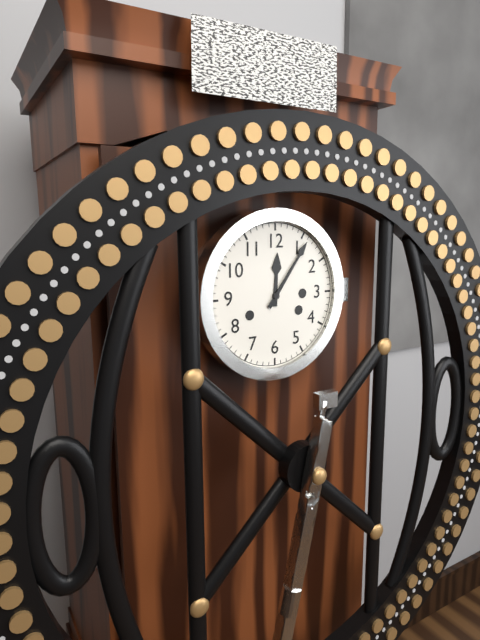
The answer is 12:06
